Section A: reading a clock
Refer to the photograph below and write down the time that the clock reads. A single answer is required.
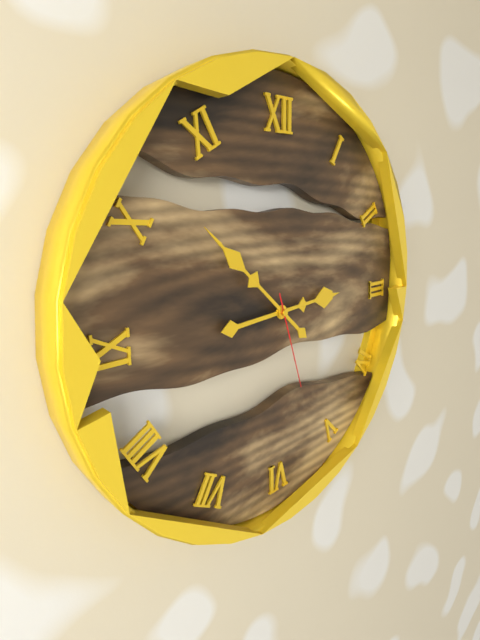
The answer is 2:52:27
